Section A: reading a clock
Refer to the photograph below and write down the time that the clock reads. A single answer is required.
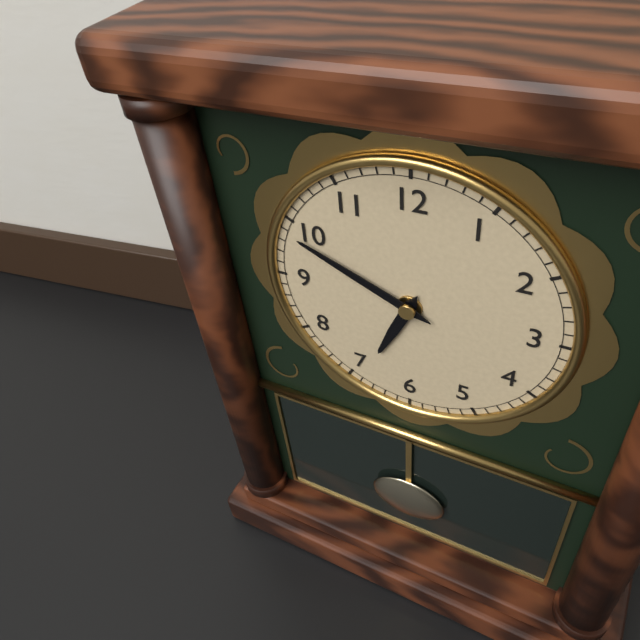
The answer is 6:49
